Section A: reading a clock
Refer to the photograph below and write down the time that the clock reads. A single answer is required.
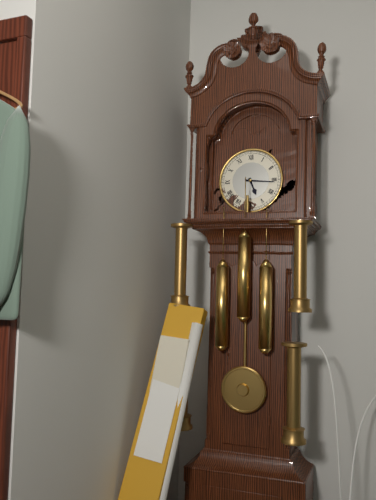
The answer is 5:16
